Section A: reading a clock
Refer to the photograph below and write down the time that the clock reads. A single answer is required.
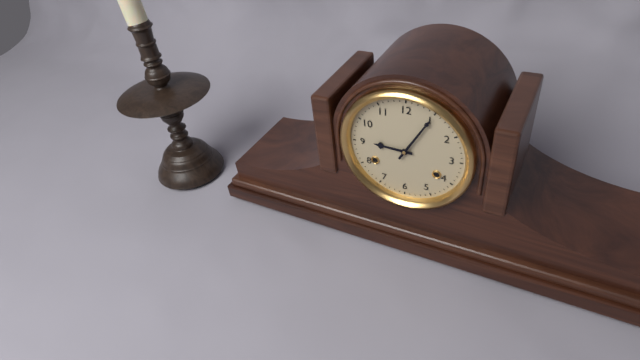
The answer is 9:05
